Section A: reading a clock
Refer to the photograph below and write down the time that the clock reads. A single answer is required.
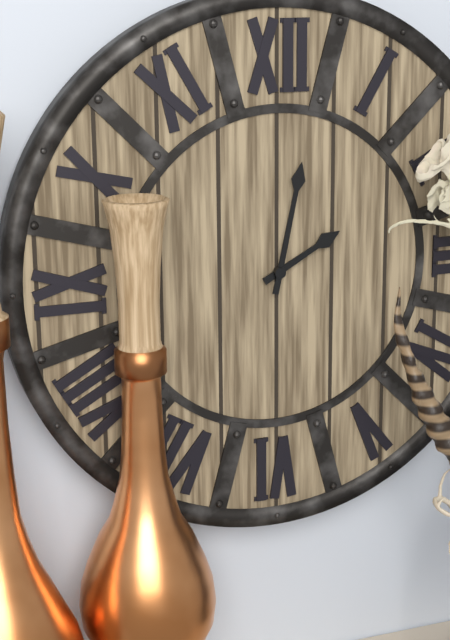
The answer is 2:02
